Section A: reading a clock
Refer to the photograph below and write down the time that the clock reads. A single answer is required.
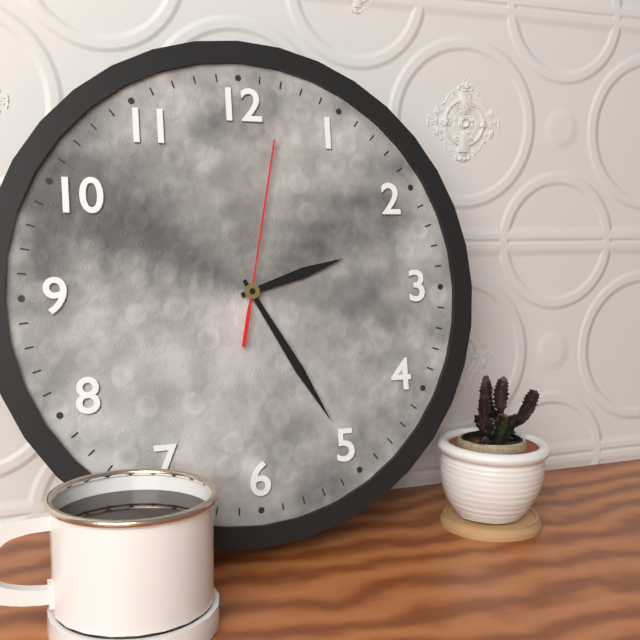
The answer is 2:25:02
